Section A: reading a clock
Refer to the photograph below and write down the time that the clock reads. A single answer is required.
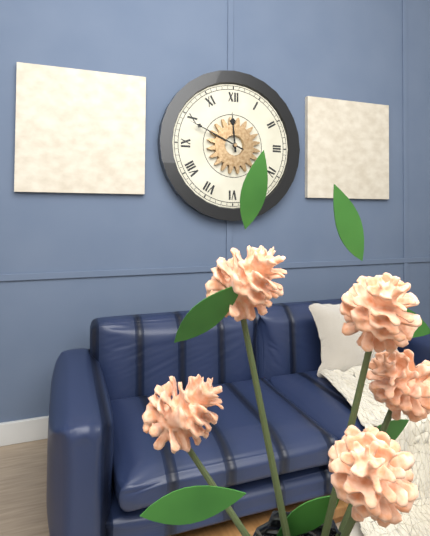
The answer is 11:49
